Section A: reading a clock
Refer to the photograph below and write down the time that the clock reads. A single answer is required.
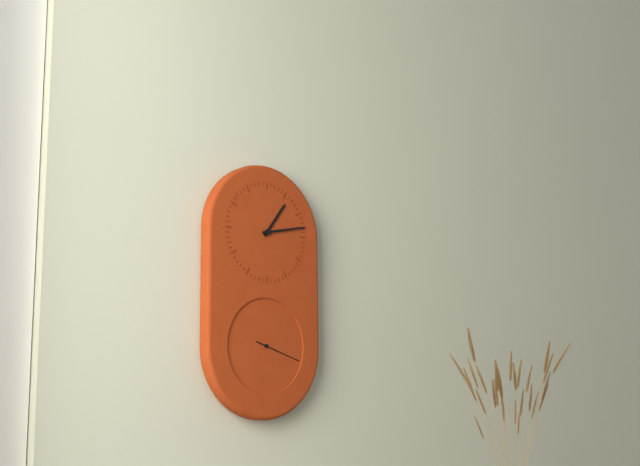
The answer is 1:13:18
